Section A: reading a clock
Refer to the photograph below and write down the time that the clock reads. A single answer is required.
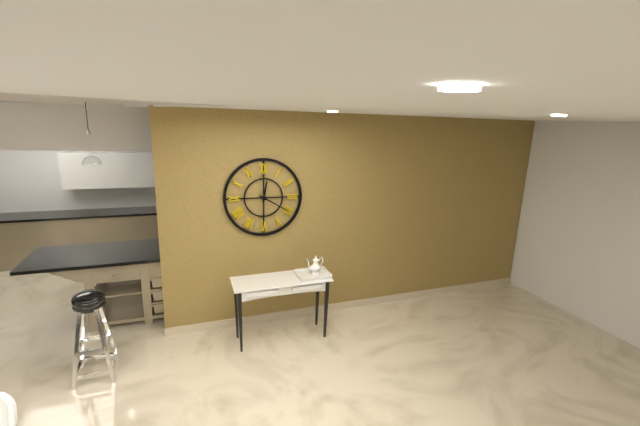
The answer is 12:20
